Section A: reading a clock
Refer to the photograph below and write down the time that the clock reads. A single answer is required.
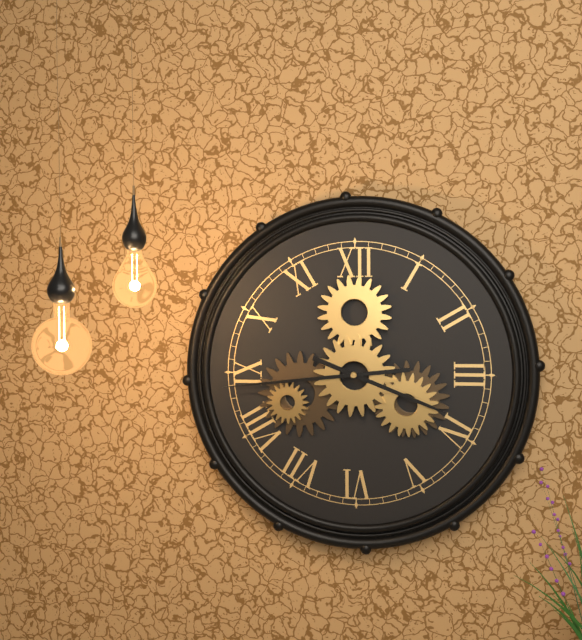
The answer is 3:44
